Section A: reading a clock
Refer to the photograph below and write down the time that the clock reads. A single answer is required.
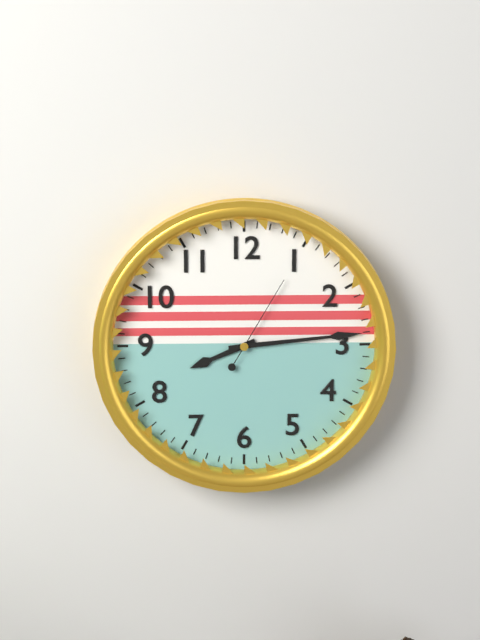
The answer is 8:14:05
